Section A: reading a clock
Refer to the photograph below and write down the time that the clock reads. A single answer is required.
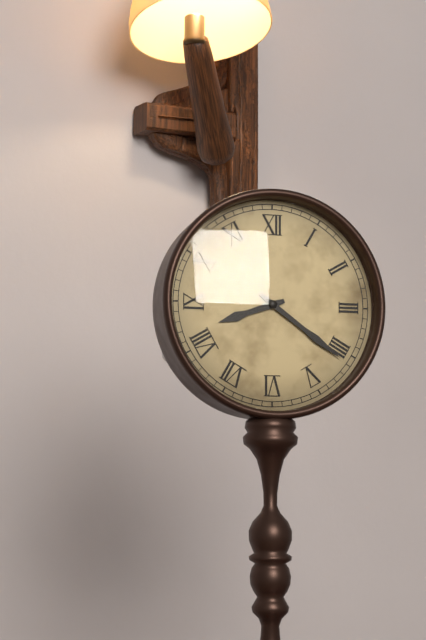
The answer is 8:21
